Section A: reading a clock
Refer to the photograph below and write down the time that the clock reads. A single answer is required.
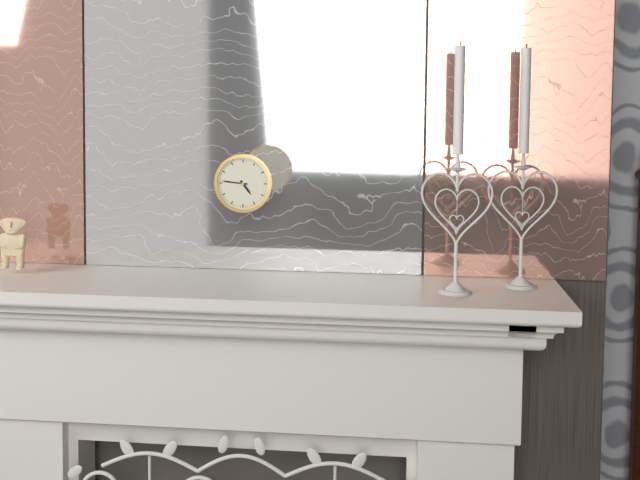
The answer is 4:46
